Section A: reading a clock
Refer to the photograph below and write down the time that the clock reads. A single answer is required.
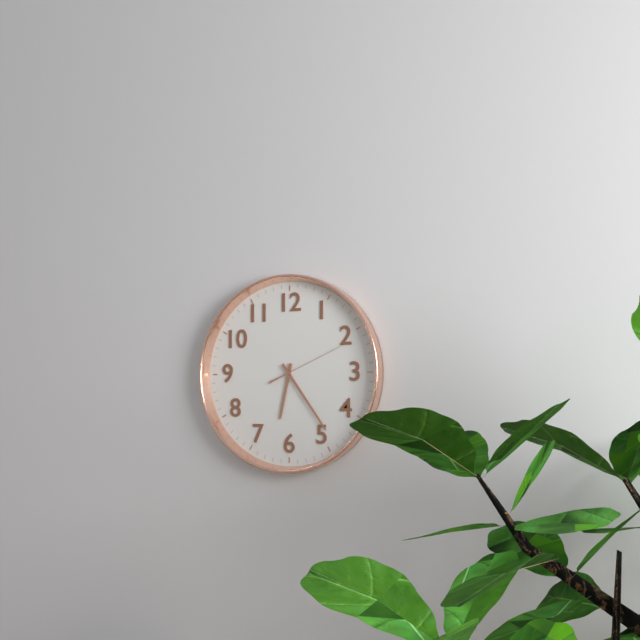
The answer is 6:24:11
